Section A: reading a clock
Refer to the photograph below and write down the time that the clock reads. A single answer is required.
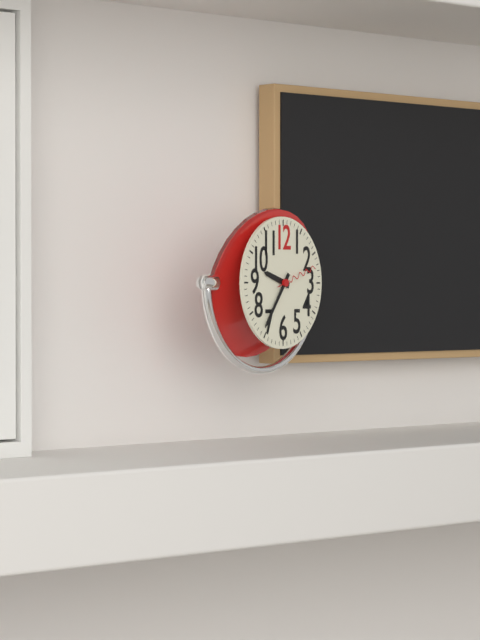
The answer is 9:36
